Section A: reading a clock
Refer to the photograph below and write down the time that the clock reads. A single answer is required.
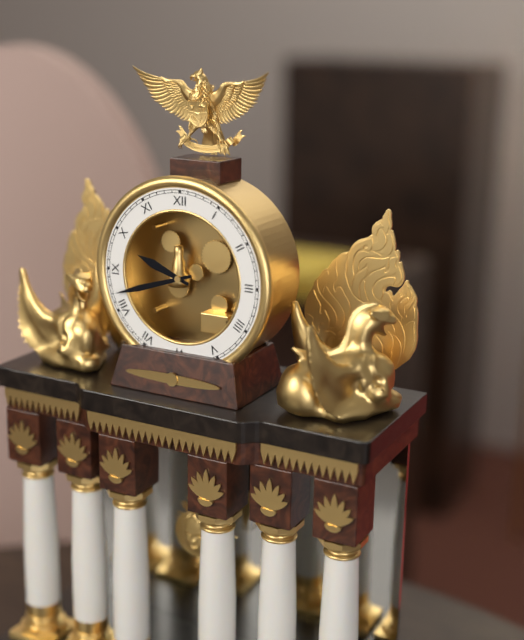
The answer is 9:42
